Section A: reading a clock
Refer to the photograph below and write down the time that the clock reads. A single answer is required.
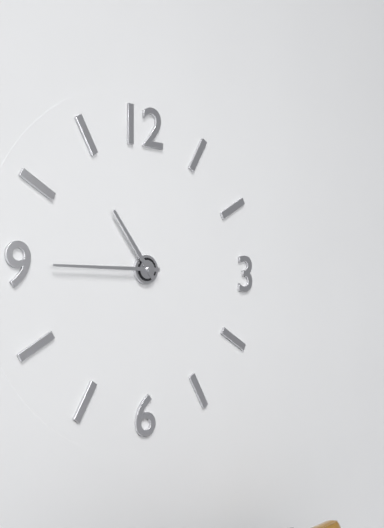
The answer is 10:45
